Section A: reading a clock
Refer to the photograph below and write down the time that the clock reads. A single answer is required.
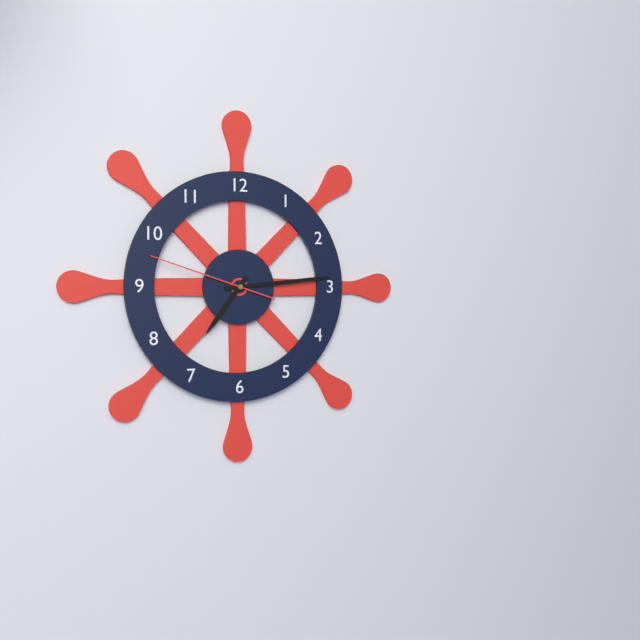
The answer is 7:14:48
